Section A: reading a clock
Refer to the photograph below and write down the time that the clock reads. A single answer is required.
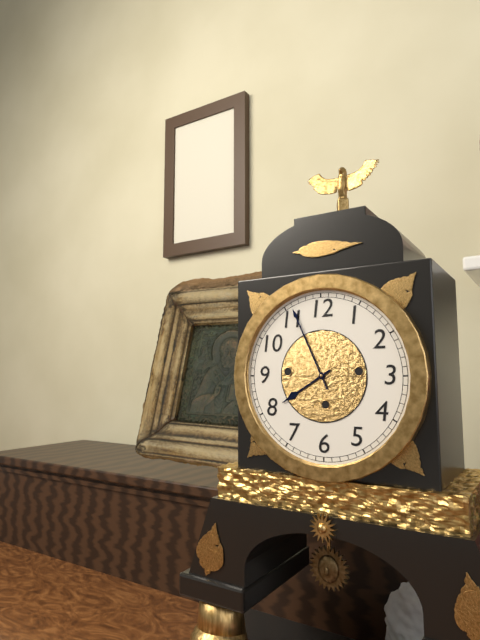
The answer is 7:56
